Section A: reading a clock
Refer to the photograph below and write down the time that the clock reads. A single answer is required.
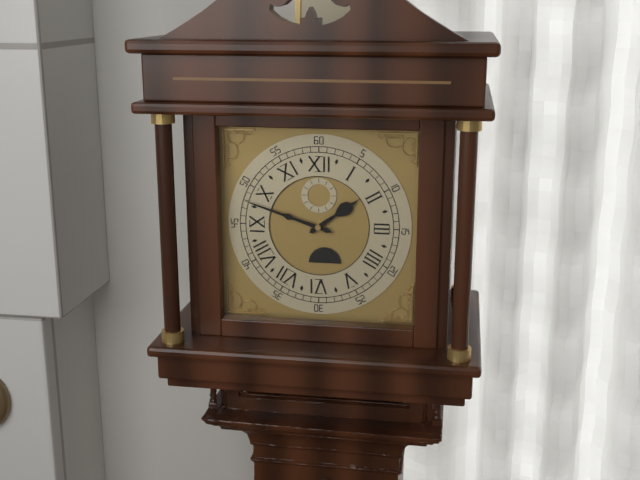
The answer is 1:48
